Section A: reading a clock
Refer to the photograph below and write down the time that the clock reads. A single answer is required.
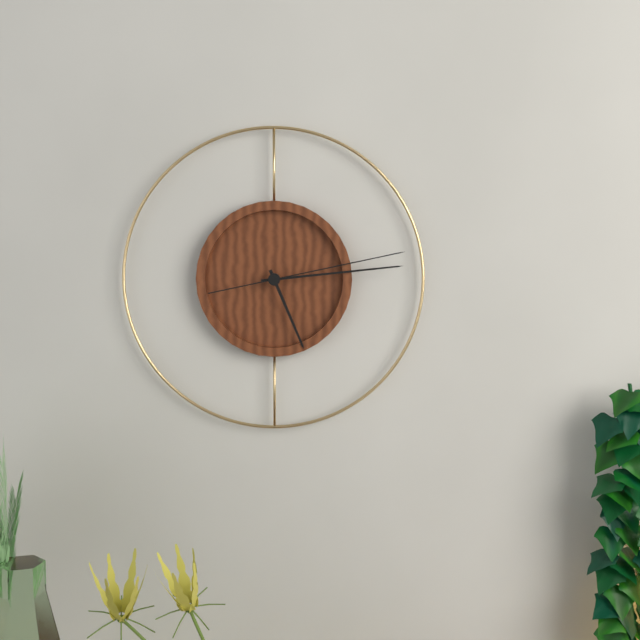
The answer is 5:14:13
